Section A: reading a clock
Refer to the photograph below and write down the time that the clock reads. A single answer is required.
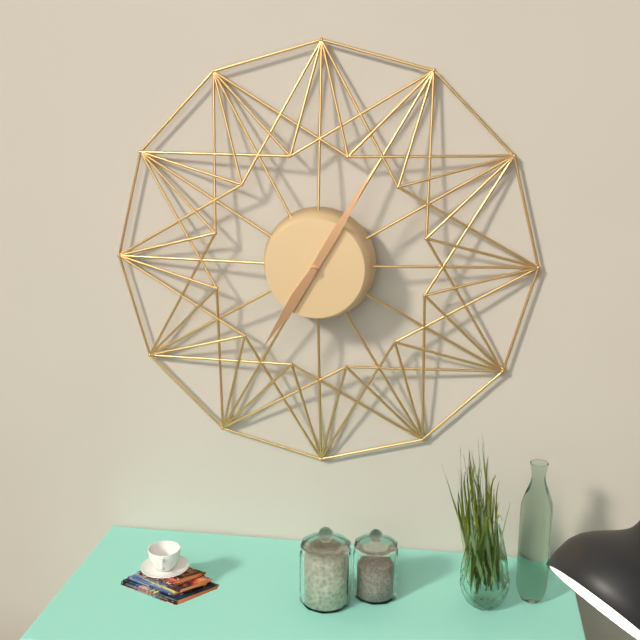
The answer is 7:05
